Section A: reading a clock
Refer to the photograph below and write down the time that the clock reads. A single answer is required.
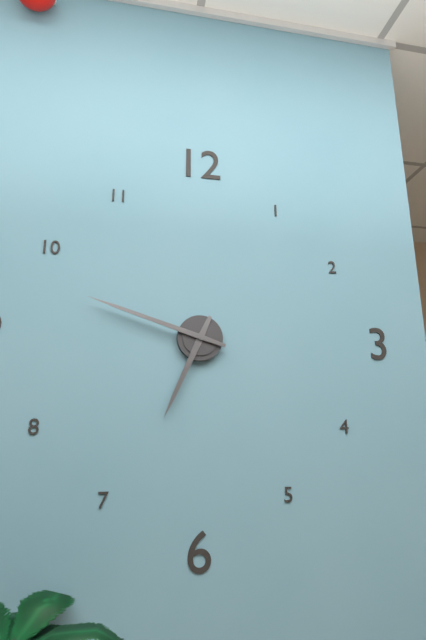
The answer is 6:48
